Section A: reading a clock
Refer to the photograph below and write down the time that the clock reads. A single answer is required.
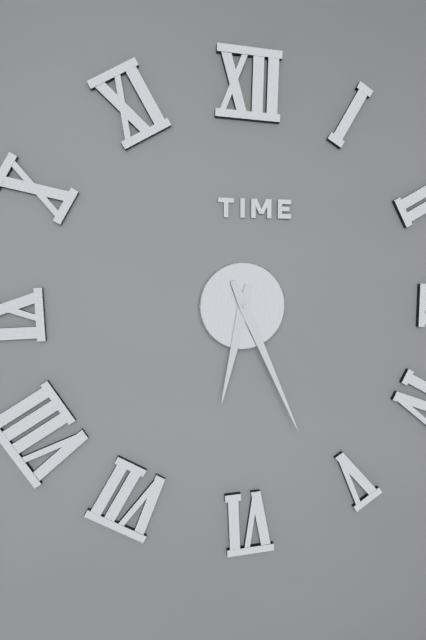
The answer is 6:26
